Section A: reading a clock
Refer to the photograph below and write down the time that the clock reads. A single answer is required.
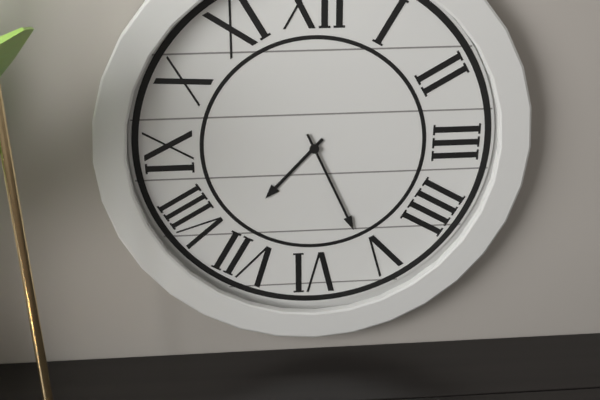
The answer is 7:26
